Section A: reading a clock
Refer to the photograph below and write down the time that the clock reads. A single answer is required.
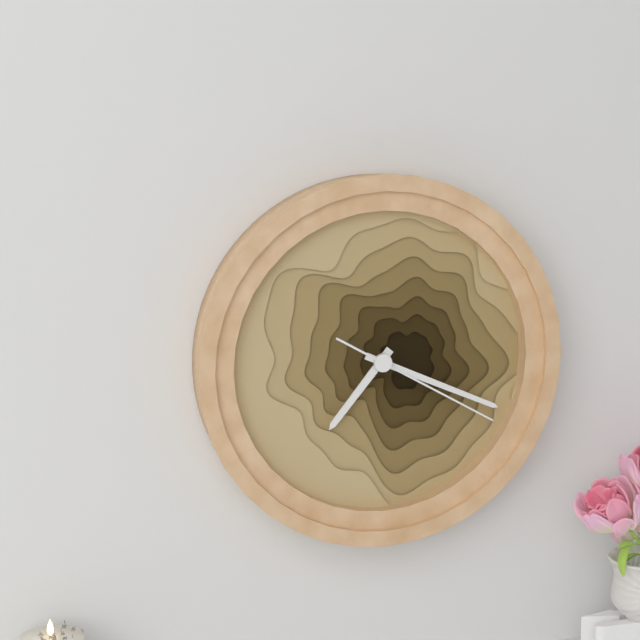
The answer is 7:19:20
